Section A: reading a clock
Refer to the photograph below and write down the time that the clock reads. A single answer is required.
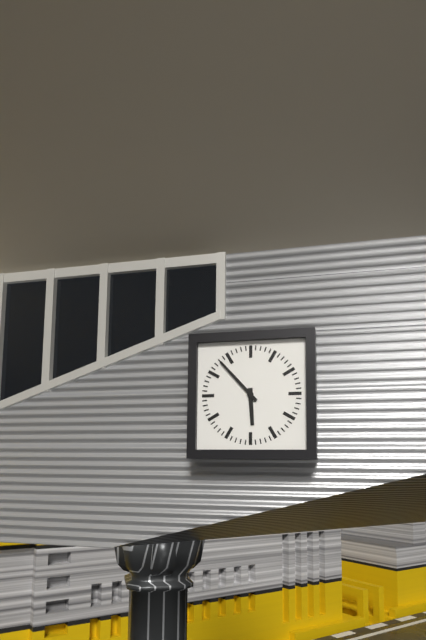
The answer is 5:53
